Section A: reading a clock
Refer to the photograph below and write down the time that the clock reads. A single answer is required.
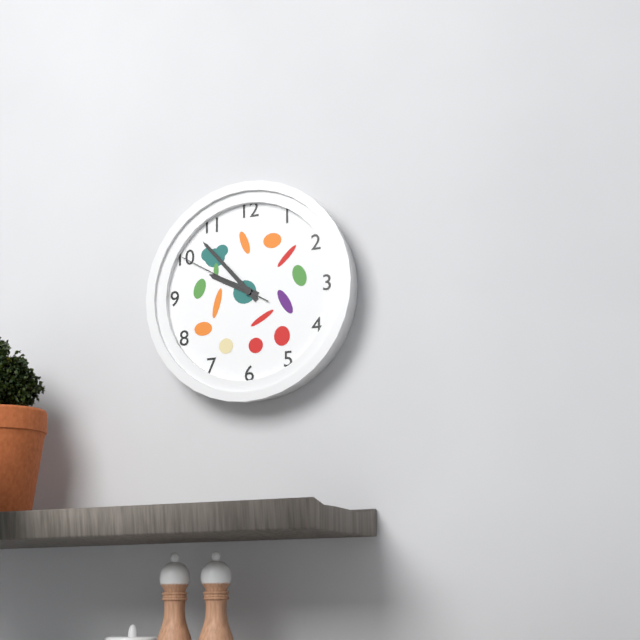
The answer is 9:53:50
